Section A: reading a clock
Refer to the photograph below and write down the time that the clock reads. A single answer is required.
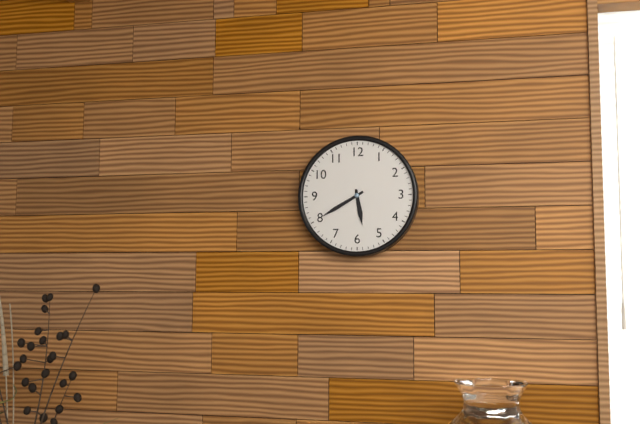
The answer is 5:40
